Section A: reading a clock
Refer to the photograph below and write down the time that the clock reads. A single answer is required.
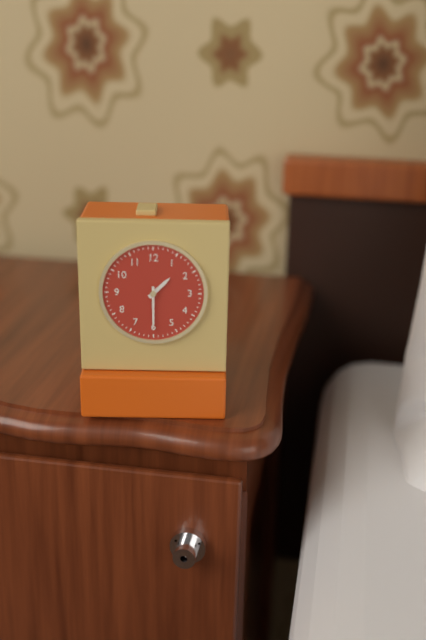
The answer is 1:30
